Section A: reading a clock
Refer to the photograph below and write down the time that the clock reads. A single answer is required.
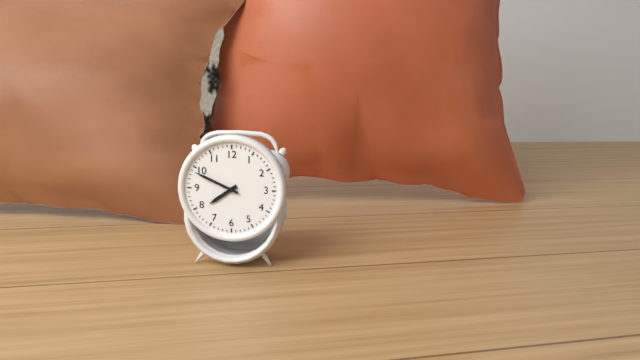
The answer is 7:49
